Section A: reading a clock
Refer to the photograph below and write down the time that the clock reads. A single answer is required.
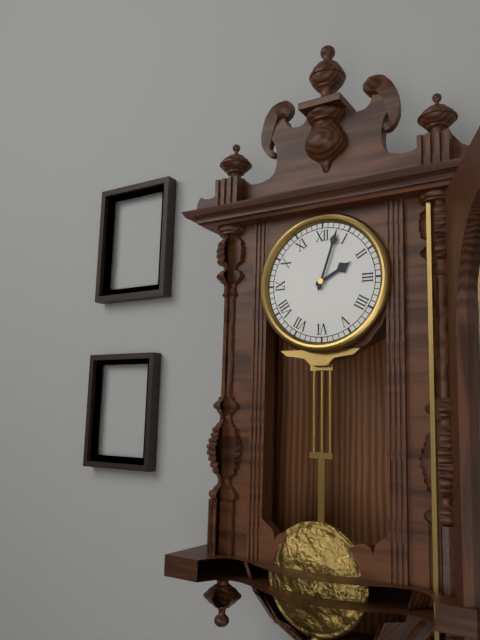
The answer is 2:03
